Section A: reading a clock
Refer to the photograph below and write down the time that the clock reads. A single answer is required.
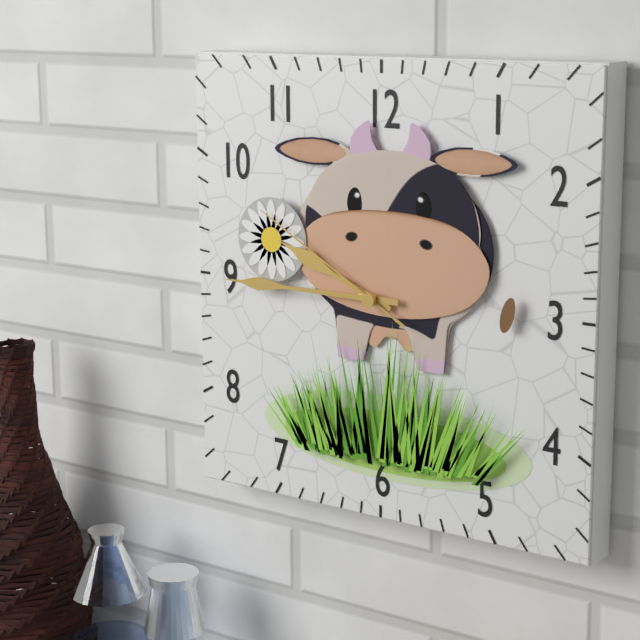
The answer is 9:45:50
